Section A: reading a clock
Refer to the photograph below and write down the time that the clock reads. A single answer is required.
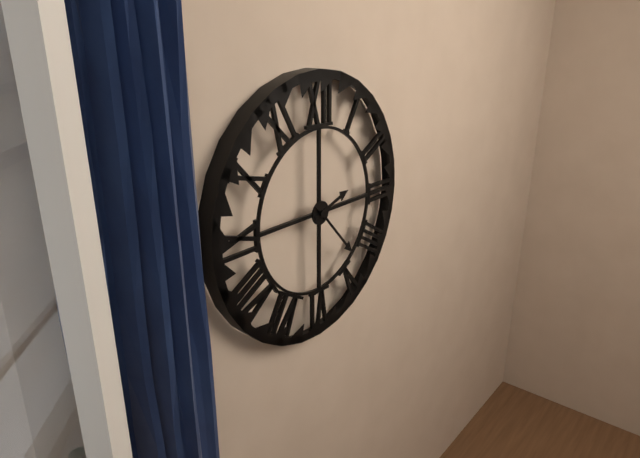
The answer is 2:23
